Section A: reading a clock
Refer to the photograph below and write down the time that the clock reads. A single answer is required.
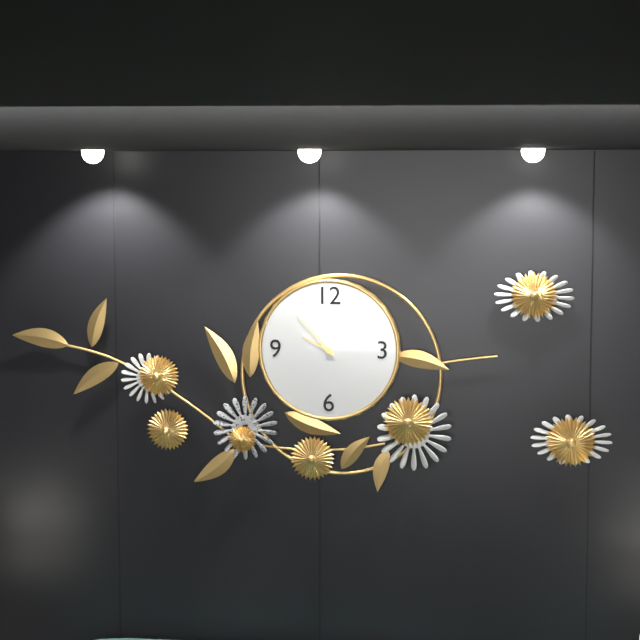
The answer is 9:53
